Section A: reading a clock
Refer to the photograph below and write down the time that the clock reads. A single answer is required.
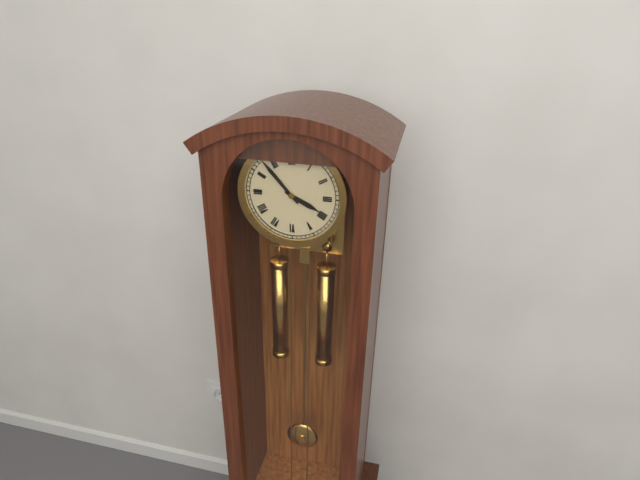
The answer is 3:53
